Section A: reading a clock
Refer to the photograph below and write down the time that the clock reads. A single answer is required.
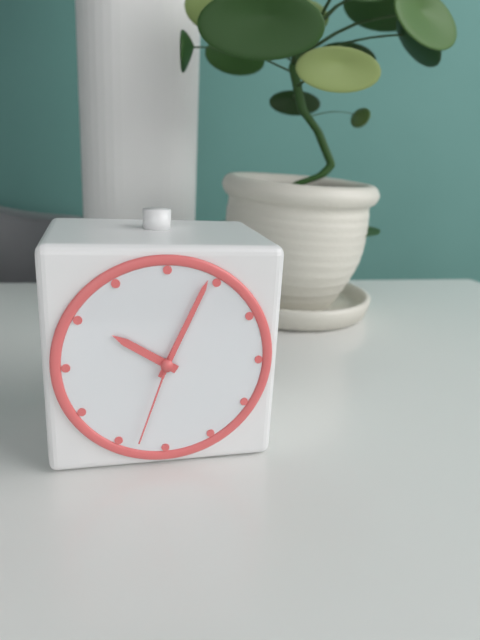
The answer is 10:04:33
